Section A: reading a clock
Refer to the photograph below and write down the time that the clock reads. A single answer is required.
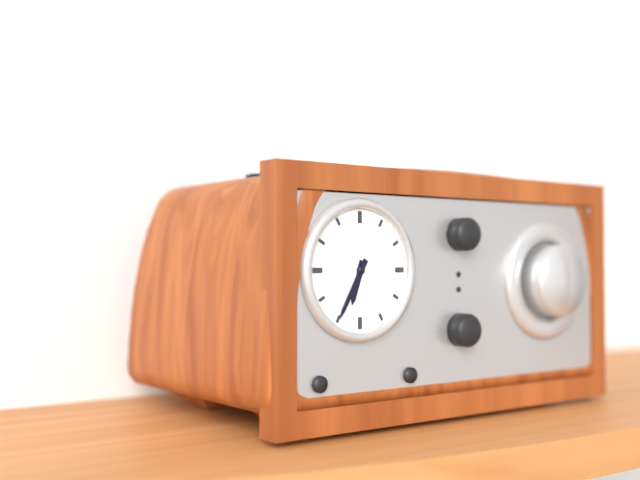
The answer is 6:35
